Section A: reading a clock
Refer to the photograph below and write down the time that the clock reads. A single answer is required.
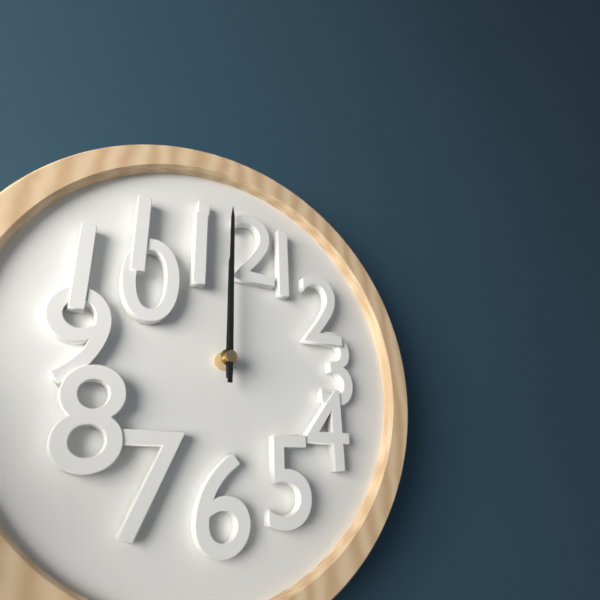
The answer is 12:00
